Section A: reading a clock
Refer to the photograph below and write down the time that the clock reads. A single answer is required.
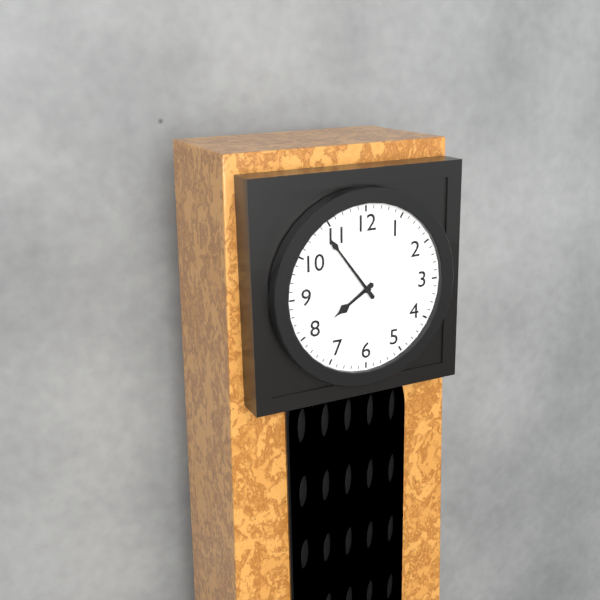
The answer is 7:54
